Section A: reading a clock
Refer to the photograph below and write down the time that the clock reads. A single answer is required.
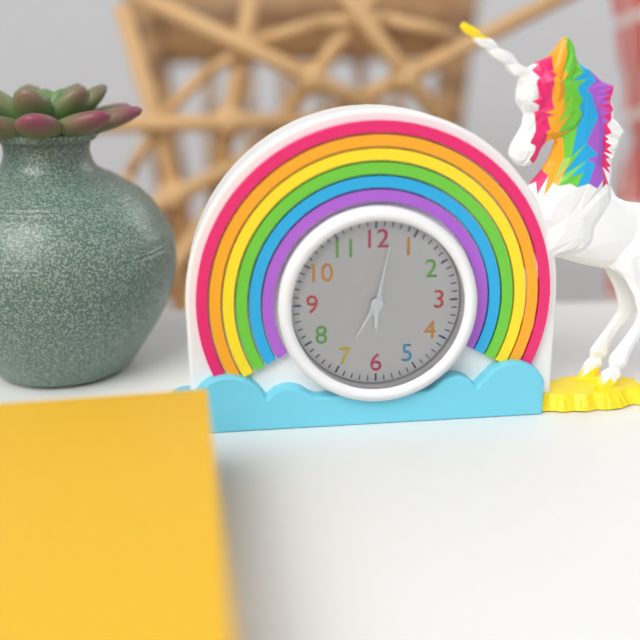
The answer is 7:02
